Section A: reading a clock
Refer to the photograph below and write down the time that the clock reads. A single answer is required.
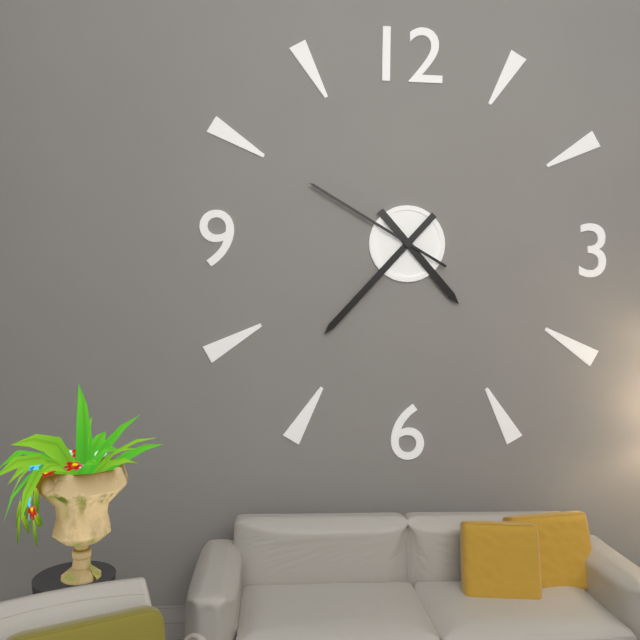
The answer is 4:37:50
